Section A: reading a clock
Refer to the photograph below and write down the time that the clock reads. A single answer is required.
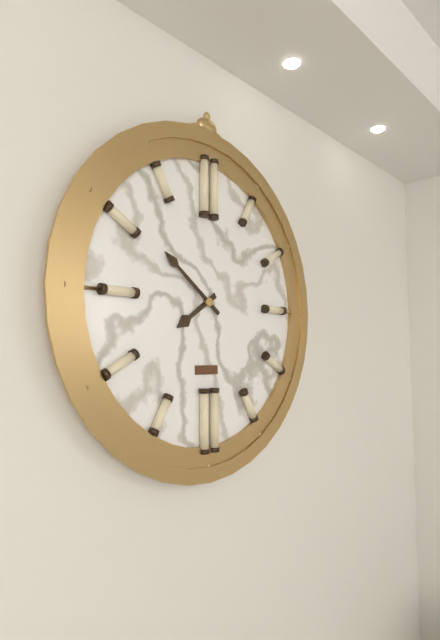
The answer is 7:51
